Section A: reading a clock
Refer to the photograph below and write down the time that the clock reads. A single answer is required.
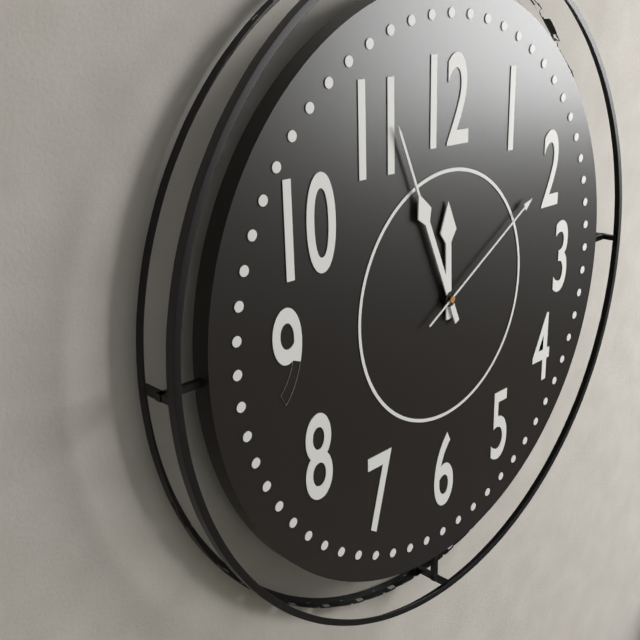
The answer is 11:56:10
